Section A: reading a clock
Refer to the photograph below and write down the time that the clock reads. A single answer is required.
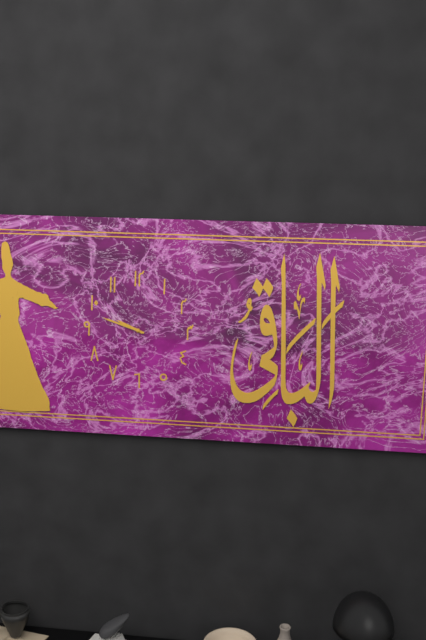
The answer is 9:48
